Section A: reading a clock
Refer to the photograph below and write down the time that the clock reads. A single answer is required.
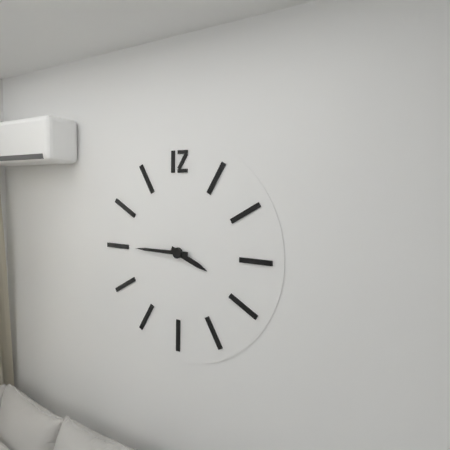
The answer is 3:45
